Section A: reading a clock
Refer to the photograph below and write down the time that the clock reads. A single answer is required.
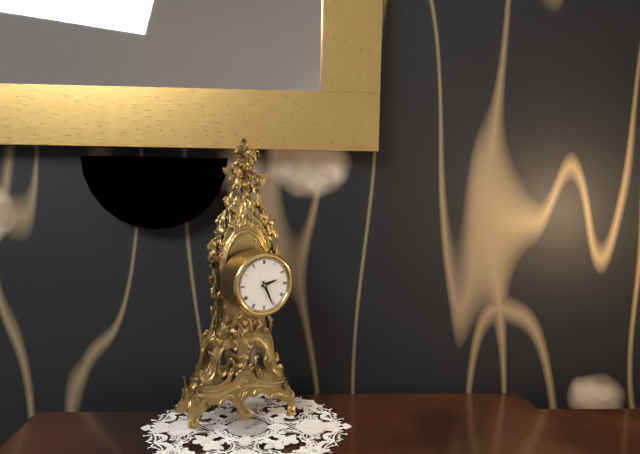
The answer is 2:26
